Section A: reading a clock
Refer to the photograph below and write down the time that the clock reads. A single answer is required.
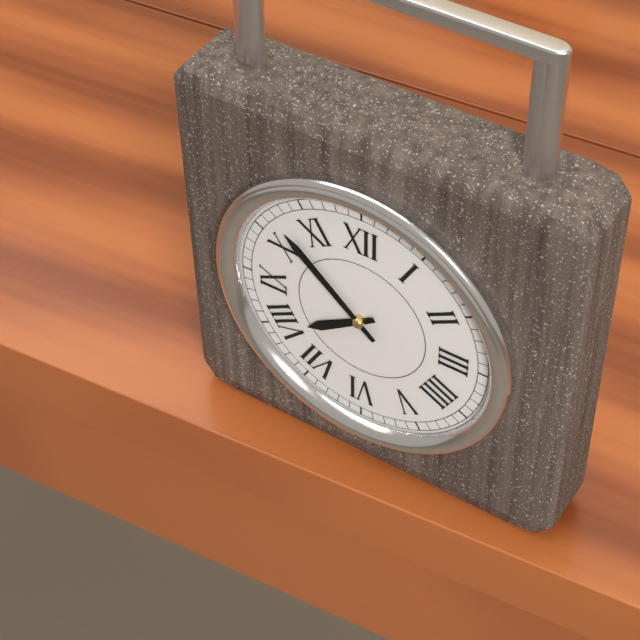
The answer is 7:52
